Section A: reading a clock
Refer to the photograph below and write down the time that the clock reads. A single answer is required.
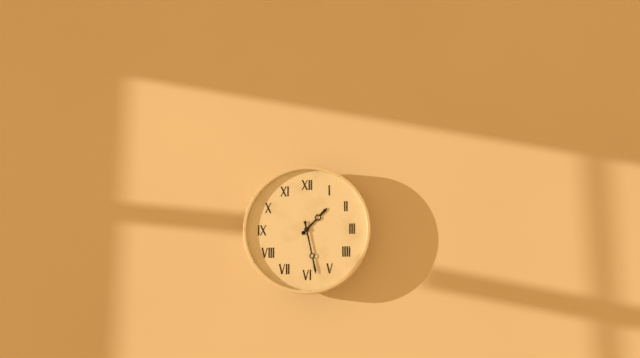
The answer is 1:28
